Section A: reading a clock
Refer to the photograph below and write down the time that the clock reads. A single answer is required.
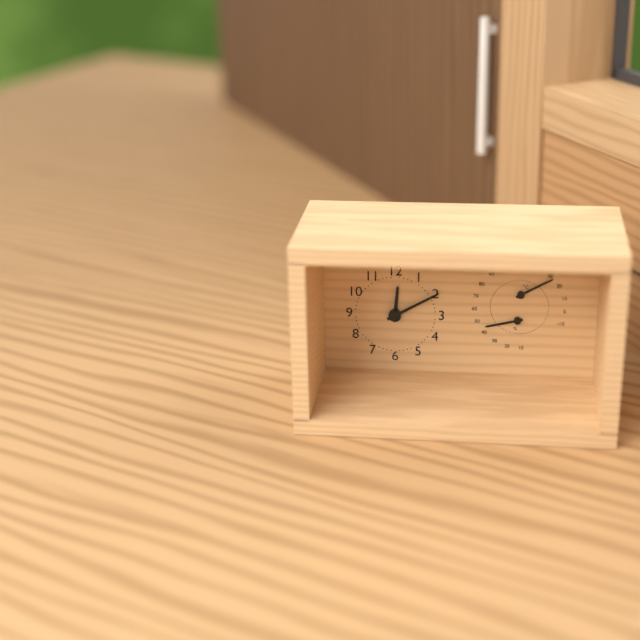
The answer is 12:10
